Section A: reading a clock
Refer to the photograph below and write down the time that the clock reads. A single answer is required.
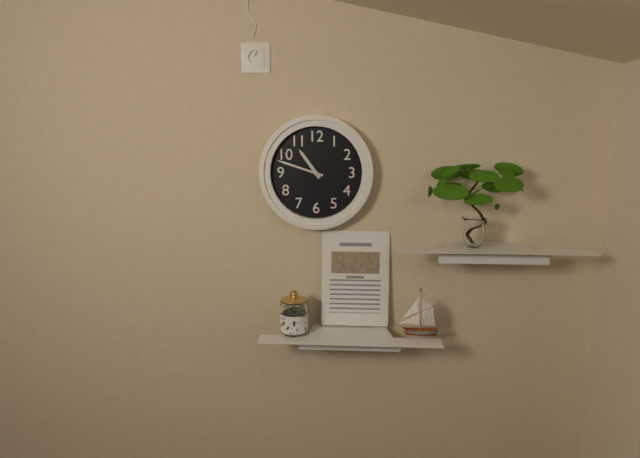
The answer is 10:48
